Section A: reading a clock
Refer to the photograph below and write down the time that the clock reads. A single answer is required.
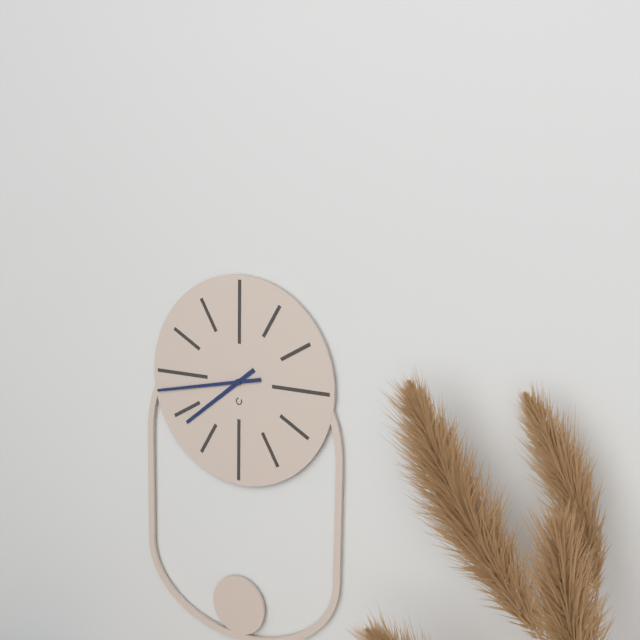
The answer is 7:43
